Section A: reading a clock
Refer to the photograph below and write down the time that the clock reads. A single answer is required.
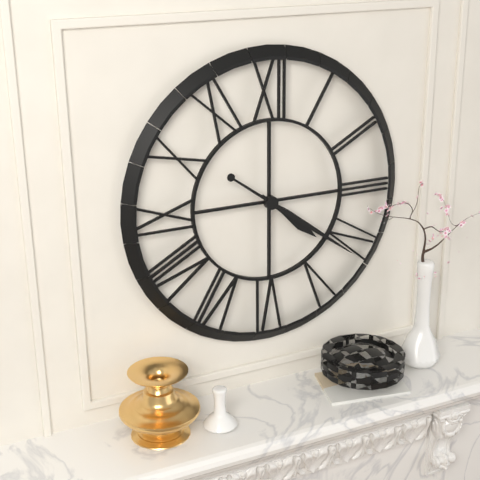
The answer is 4:21
